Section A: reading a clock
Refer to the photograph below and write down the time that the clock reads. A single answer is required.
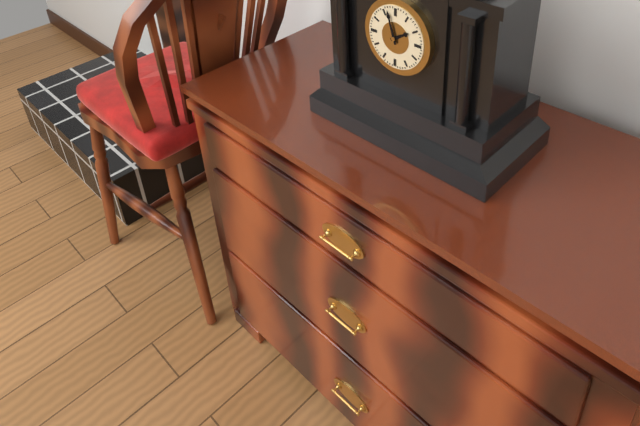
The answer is 1:57
